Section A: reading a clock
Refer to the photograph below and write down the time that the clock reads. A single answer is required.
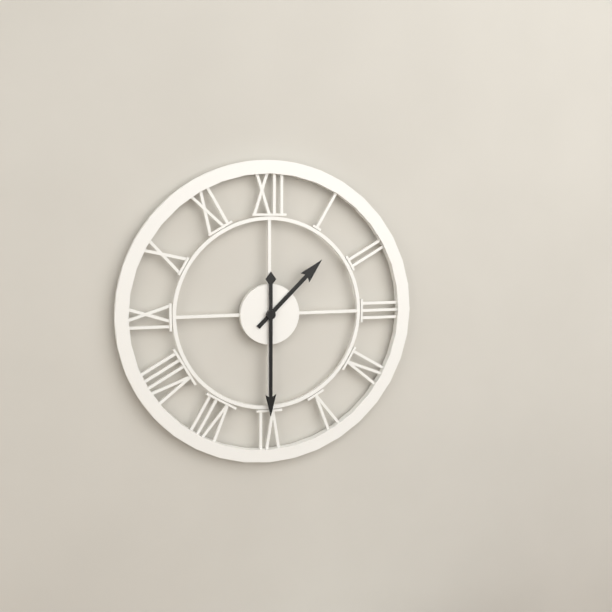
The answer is 1:30
